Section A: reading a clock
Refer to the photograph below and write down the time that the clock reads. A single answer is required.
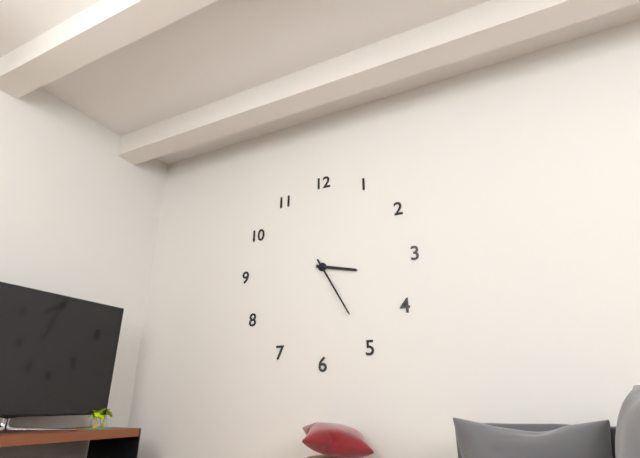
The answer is 3:25
